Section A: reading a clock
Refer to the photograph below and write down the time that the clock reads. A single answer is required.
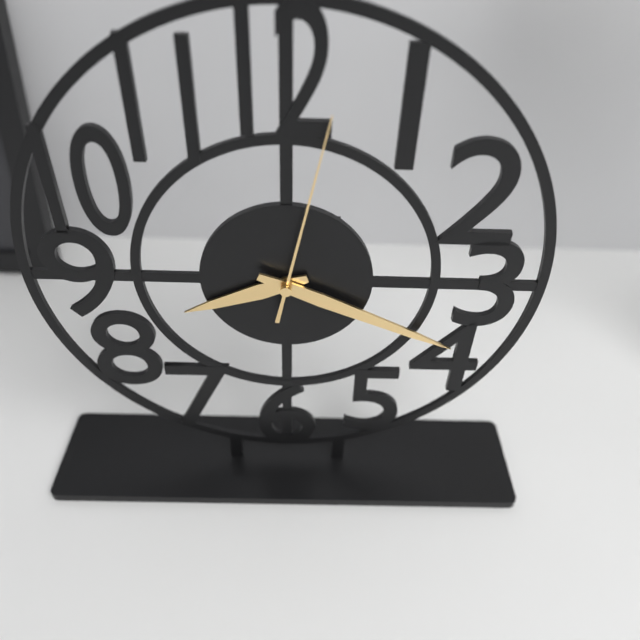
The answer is 8:19:02
